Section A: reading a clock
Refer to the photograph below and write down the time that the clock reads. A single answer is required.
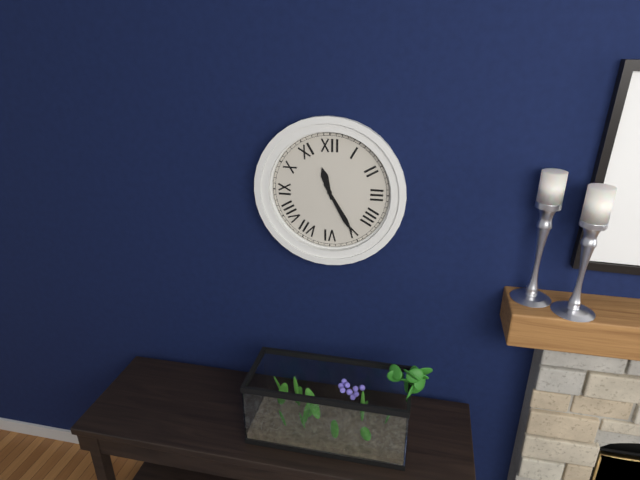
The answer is 11:25
